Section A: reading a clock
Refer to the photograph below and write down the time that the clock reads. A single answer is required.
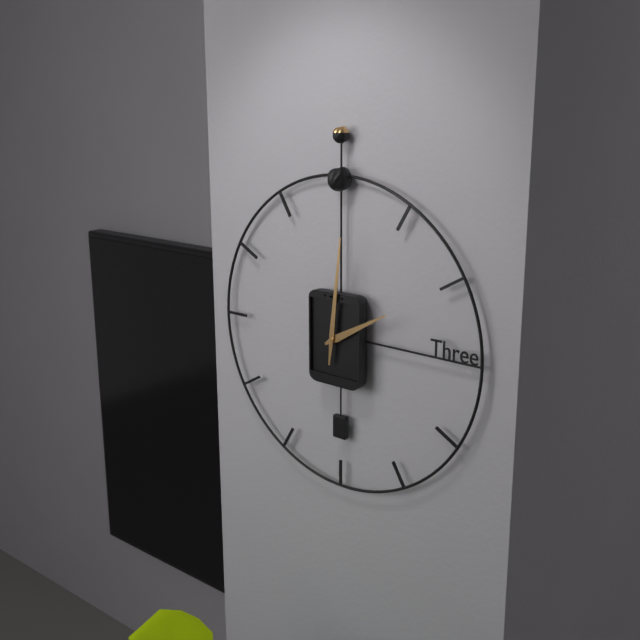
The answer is 2:01
